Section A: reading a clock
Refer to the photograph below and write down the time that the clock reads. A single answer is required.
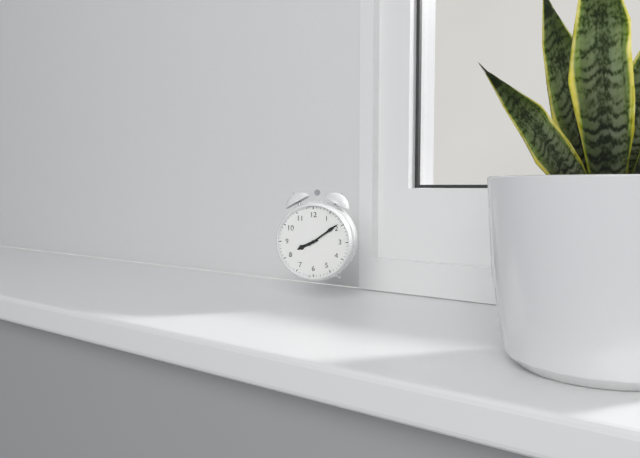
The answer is 8:09
